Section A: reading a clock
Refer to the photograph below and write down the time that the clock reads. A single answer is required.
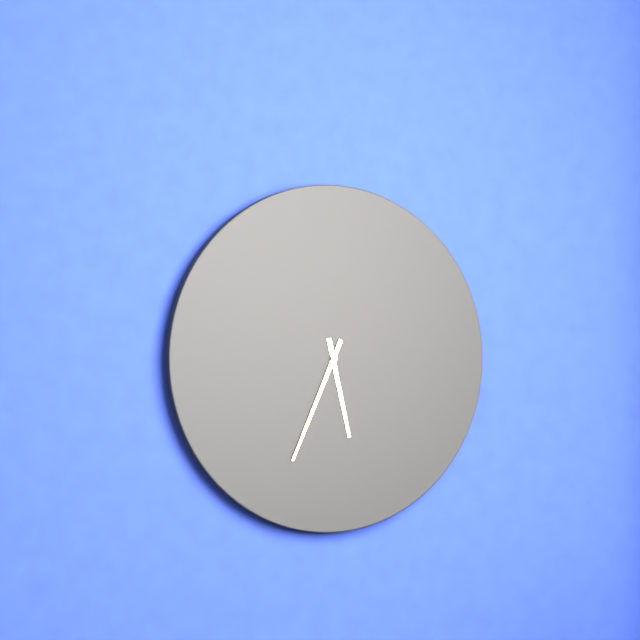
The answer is 5:34
